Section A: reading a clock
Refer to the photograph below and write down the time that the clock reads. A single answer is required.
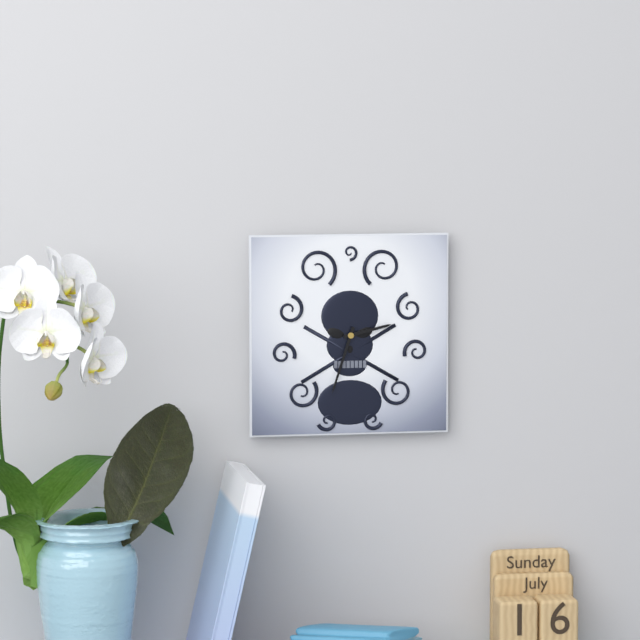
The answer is 2:33
